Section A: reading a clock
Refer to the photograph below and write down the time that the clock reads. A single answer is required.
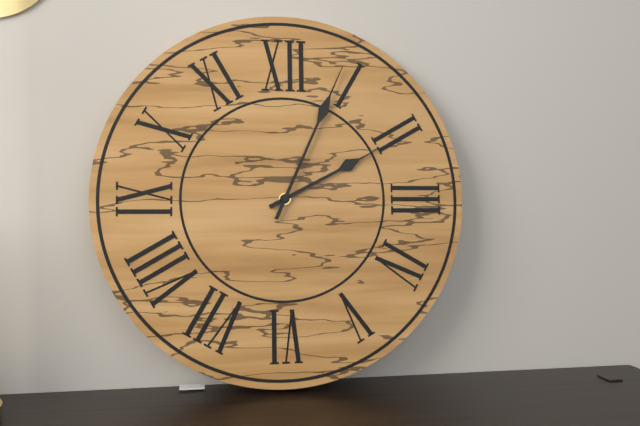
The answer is 2:04
